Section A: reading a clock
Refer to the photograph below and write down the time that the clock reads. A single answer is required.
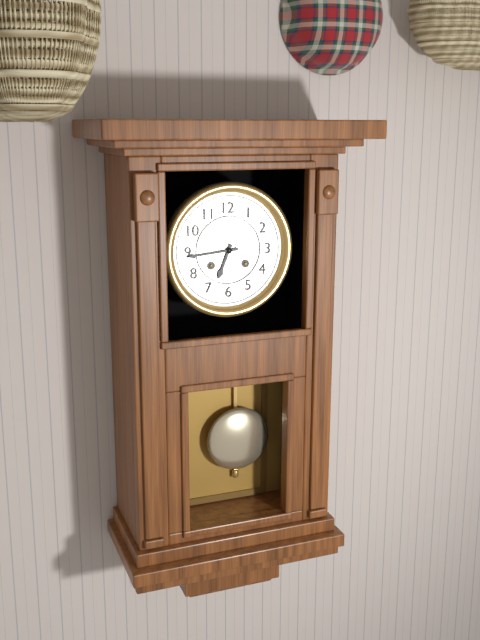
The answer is 6:44
